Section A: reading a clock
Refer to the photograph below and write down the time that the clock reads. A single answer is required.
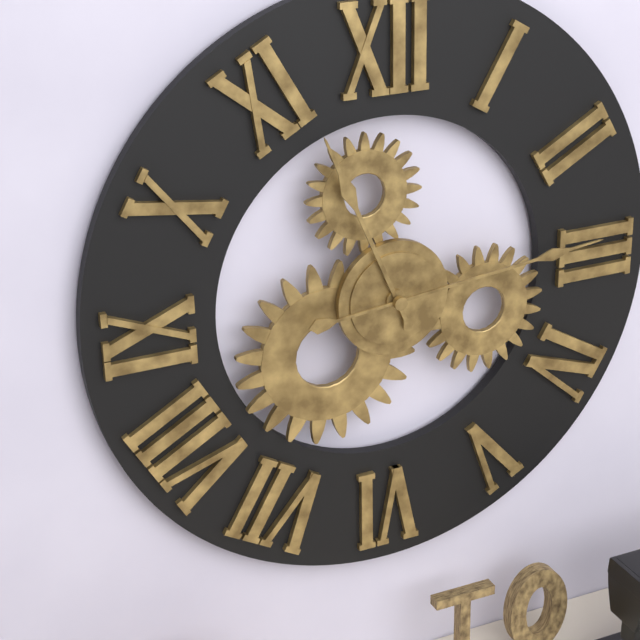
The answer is 11:14
